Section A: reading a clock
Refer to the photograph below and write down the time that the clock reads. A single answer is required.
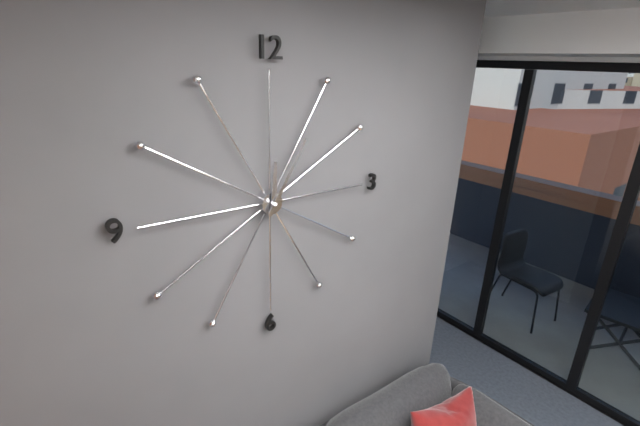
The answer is 12:05
